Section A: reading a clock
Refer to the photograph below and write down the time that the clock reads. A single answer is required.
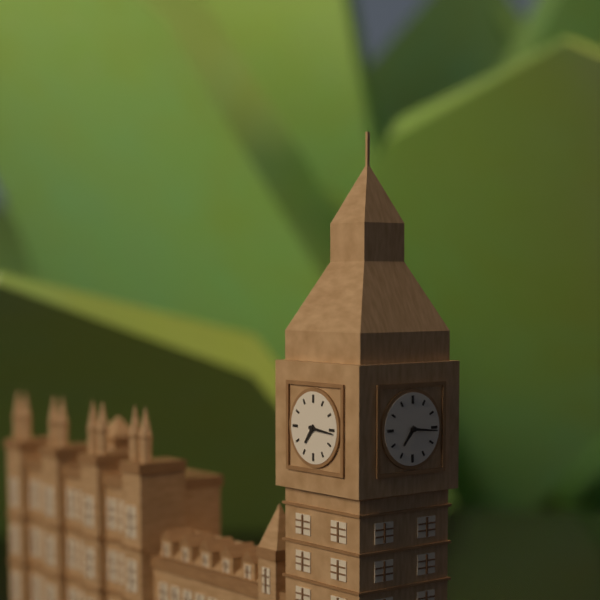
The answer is 7:16
